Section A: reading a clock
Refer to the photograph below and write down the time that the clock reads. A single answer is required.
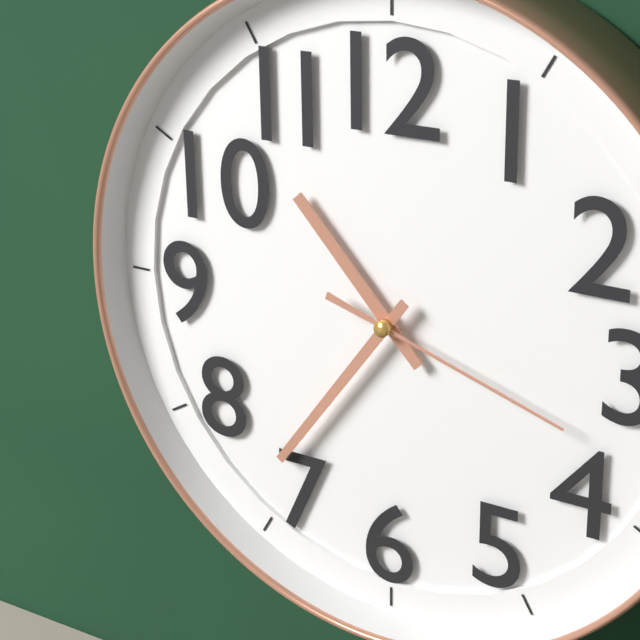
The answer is 10:36:18
